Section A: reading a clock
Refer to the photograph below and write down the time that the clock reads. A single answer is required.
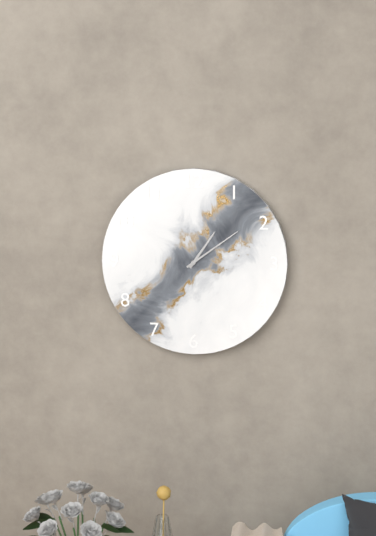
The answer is 1:09
